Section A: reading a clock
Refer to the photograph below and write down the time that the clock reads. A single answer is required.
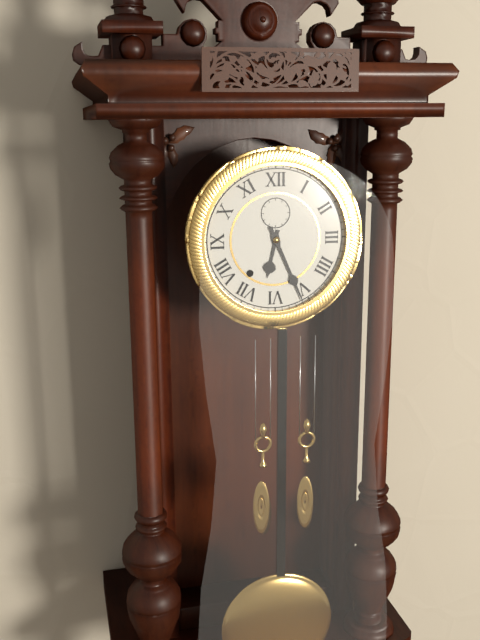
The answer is 6:26
